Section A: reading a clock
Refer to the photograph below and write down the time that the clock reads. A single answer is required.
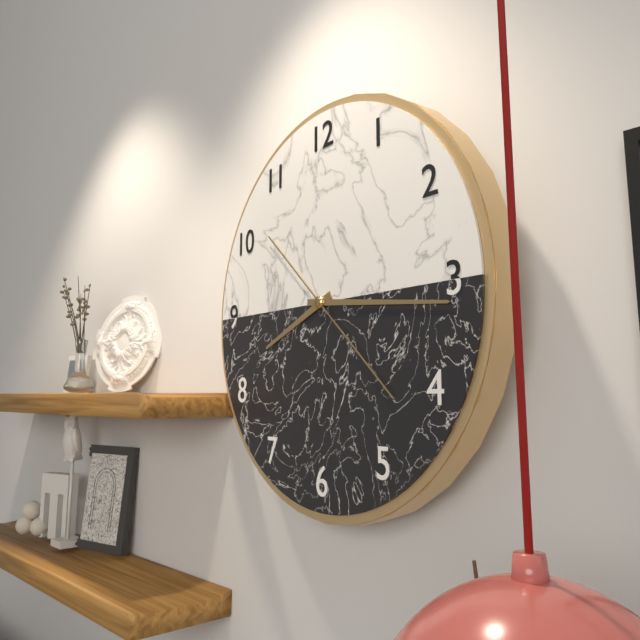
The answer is 8:16:22
